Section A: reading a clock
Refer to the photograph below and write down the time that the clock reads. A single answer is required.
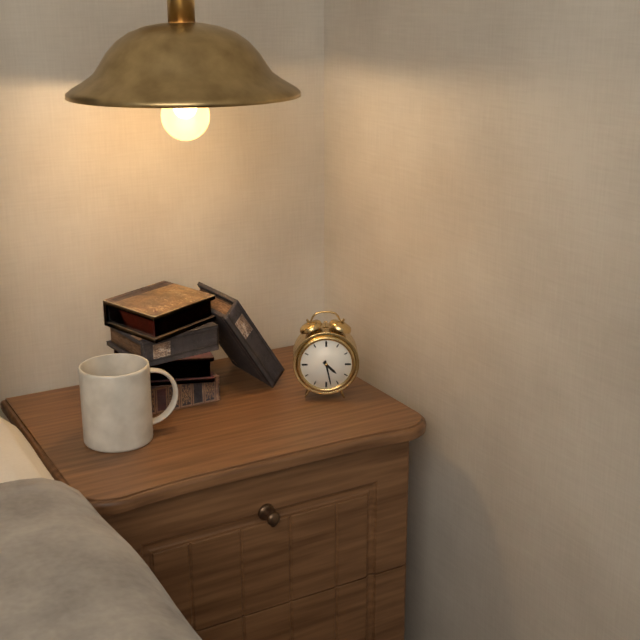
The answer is 4:28
